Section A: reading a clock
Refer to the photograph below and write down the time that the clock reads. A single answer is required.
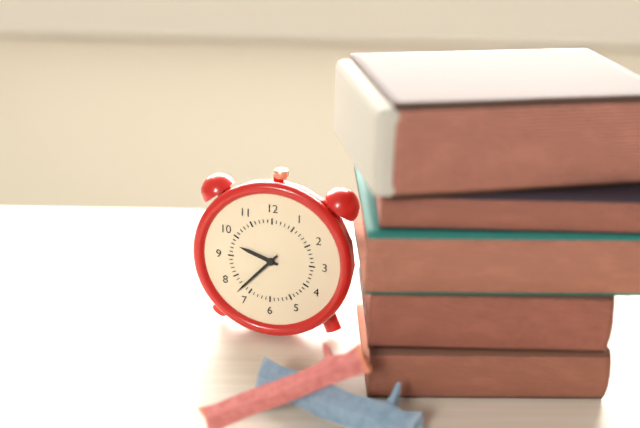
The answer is 9:37
